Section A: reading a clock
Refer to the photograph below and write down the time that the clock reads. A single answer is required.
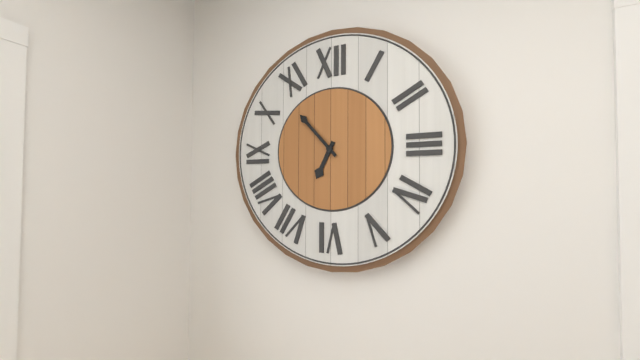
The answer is 6:53
